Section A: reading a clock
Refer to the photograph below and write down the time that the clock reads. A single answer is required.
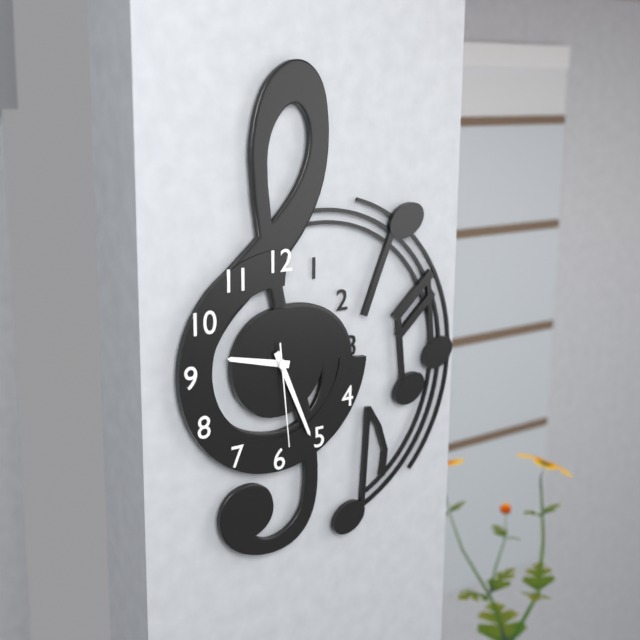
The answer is 9:26:29
